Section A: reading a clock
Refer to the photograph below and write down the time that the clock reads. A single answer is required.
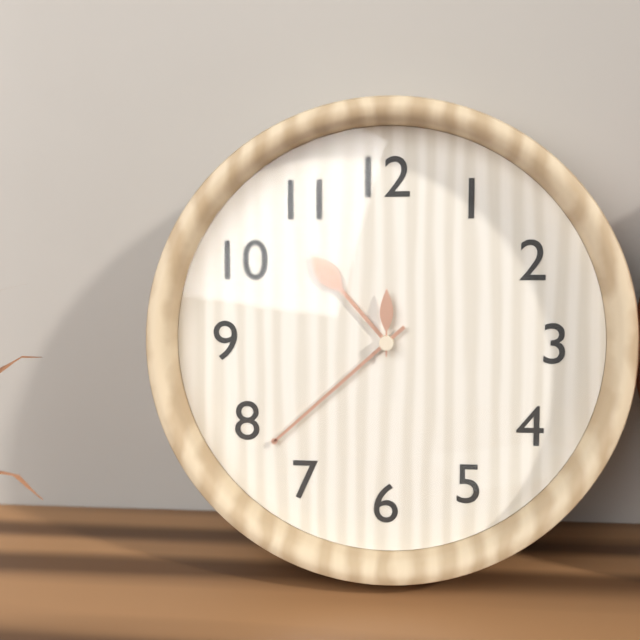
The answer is 10:38:00
